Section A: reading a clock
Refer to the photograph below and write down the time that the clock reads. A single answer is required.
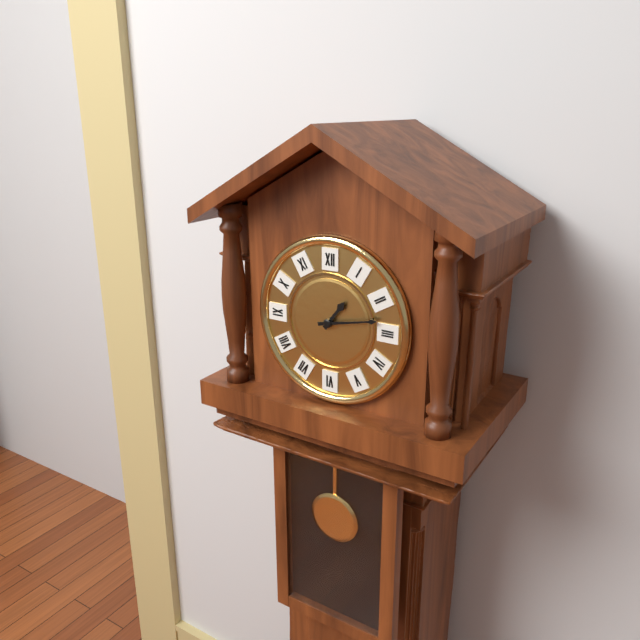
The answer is 1:13
